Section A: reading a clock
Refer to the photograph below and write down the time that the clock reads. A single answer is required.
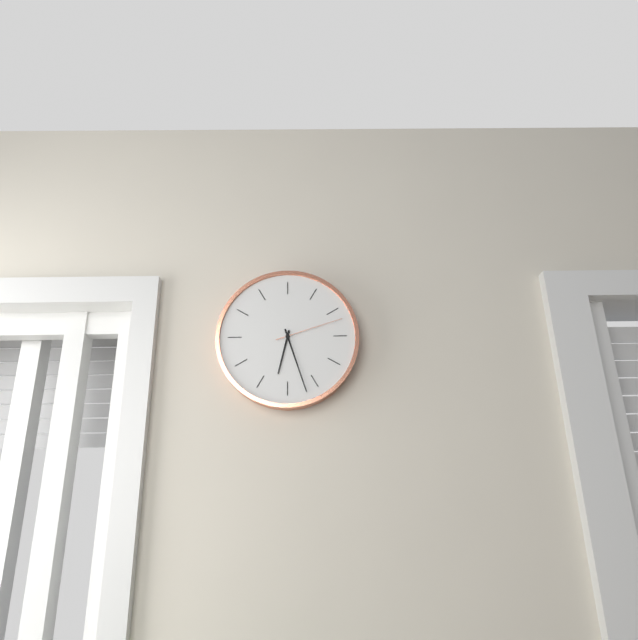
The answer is 6:27:12
